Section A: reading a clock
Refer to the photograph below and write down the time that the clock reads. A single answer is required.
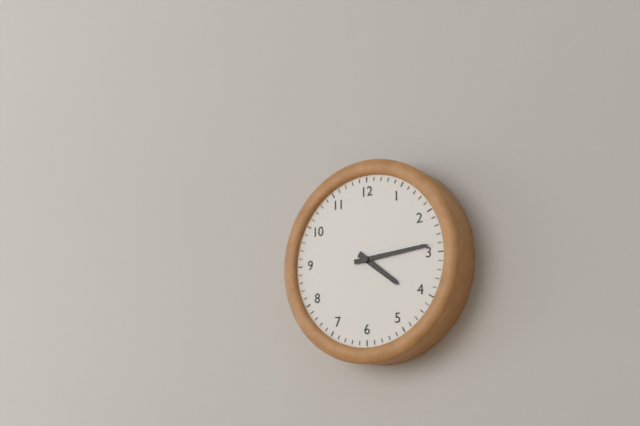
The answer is 4:14
